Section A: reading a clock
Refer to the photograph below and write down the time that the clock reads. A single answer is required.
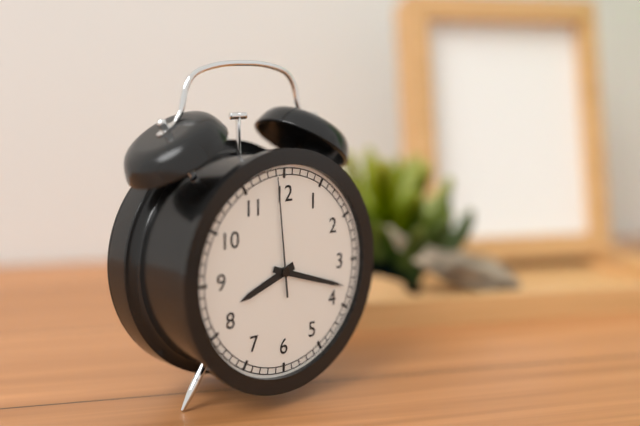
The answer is 8:18:59
